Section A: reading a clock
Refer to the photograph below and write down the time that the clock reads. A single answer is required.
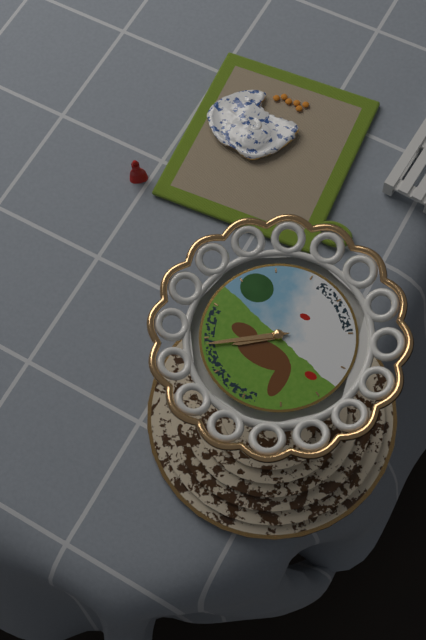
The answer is 7:39
